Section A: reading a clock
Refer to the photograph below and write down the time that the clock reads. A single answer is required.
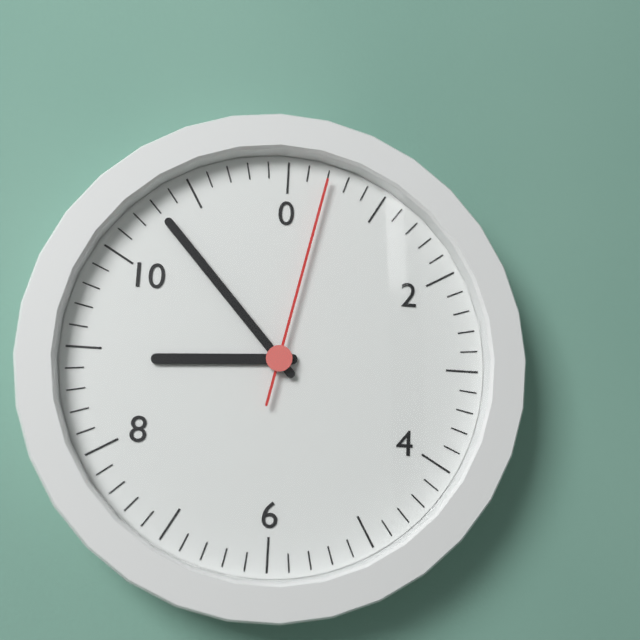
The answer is 8:53:02
